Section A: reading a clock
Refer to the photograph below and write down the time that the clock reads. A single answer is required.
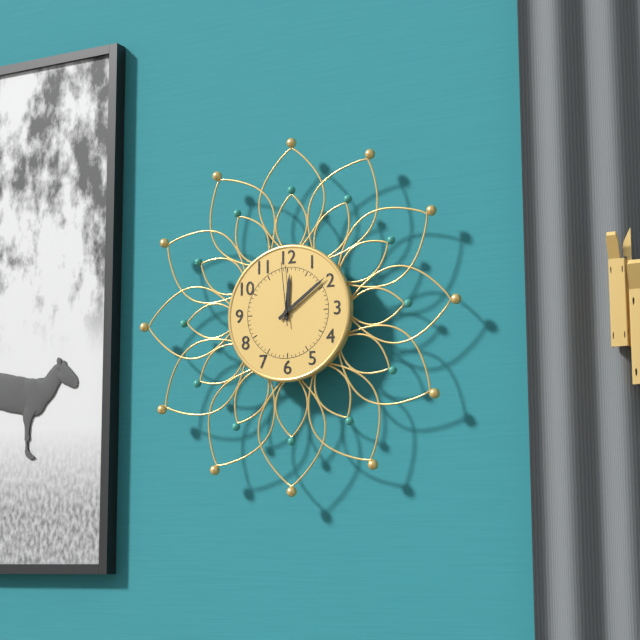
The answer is 12:09:59
